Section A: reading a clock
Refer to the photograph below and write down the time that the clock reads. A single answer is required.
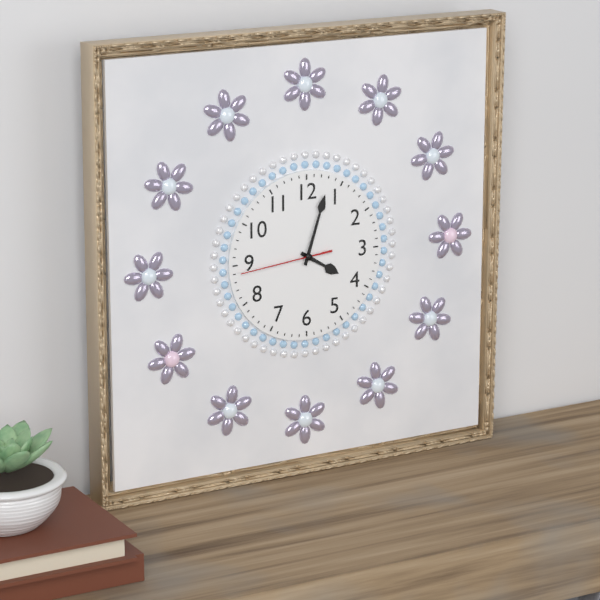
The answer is 4:03:44
